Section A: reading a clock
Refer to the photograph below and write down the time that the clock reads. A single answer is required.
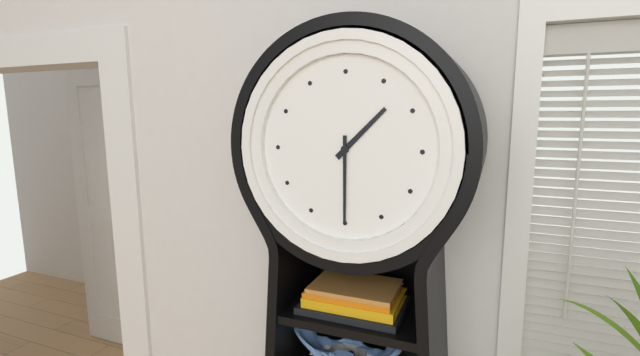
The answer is 1:30
